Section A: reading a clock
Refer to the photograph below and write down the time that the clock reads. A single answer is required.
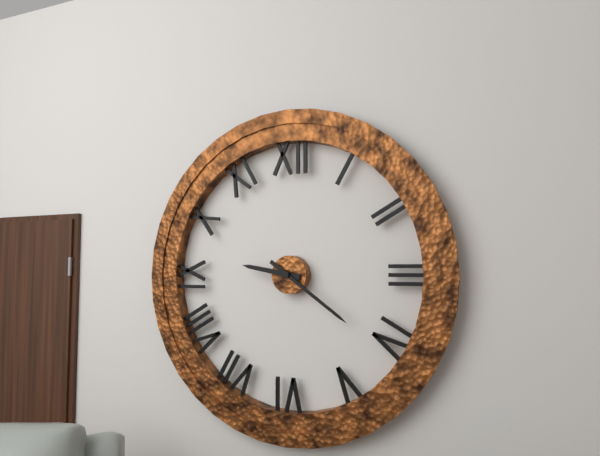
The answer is 9:21
